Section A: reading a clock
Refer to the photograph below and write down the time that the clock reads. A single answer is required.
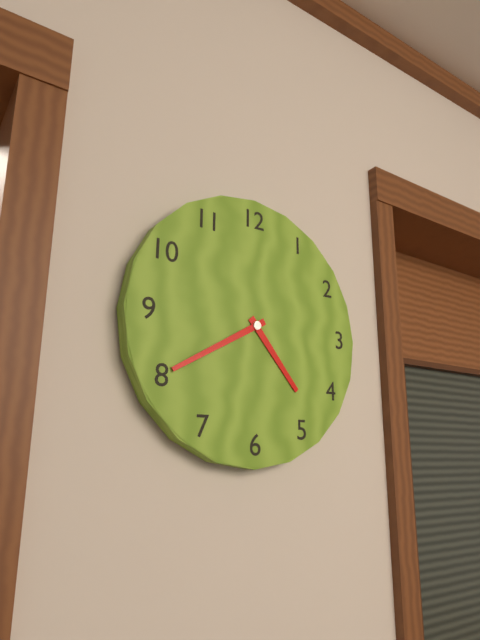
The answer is 4:40
